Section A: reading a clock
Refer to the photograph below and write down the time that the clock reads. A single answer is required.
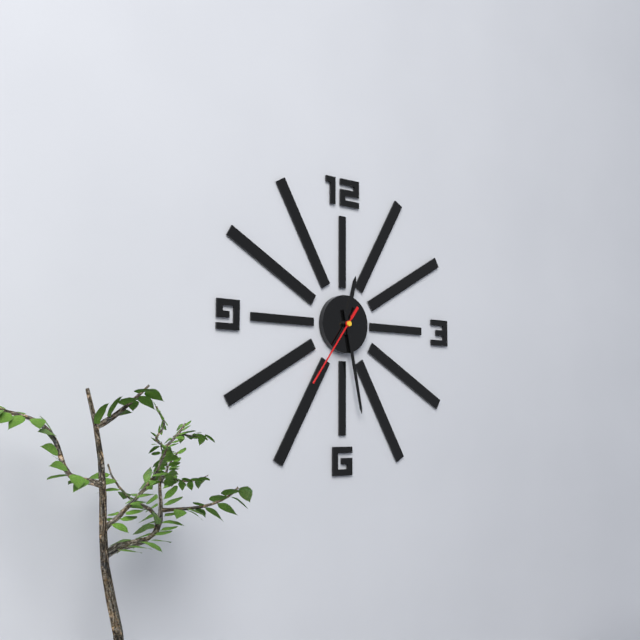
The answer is 12:28:36
